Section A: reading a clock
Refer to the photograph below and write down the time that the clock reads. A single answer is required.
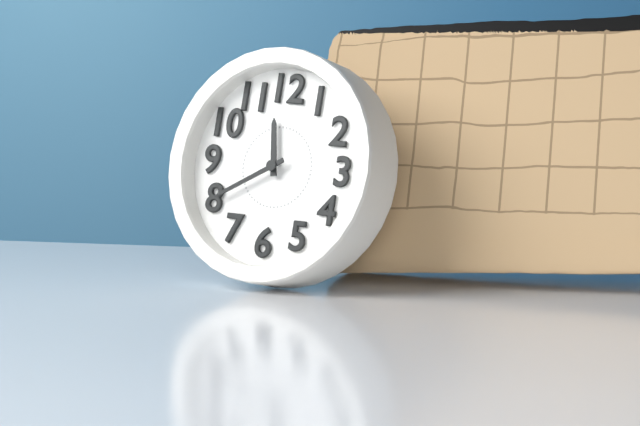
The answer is 11:40
